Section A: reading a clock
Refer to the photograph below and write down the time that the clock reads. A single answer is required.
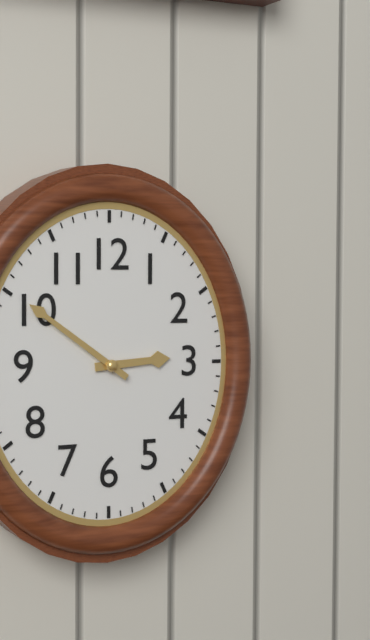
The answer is 2:51
